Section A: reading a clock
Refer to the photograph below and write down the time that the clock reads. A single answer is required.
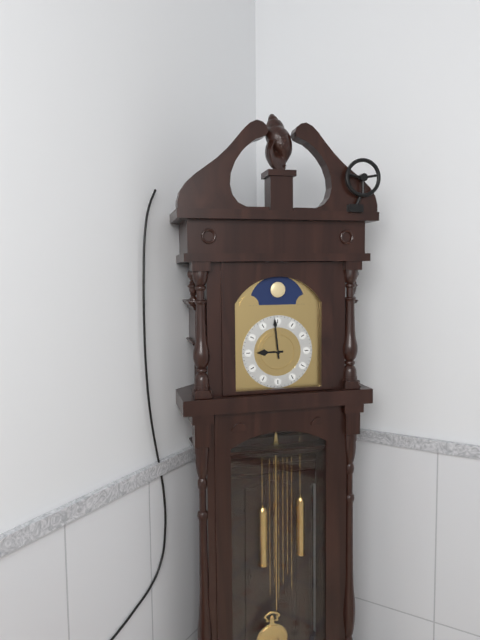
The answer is 8:59
